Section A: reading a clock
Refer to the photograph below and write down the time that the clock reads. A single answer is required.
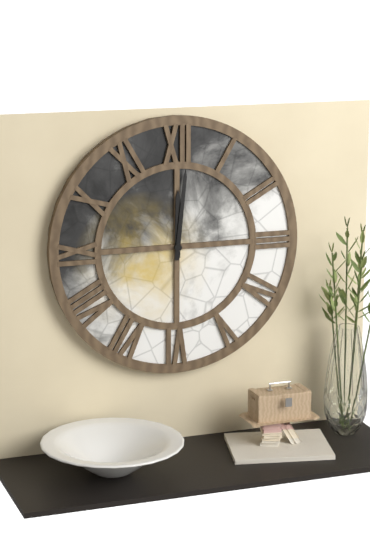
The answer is 12:01
